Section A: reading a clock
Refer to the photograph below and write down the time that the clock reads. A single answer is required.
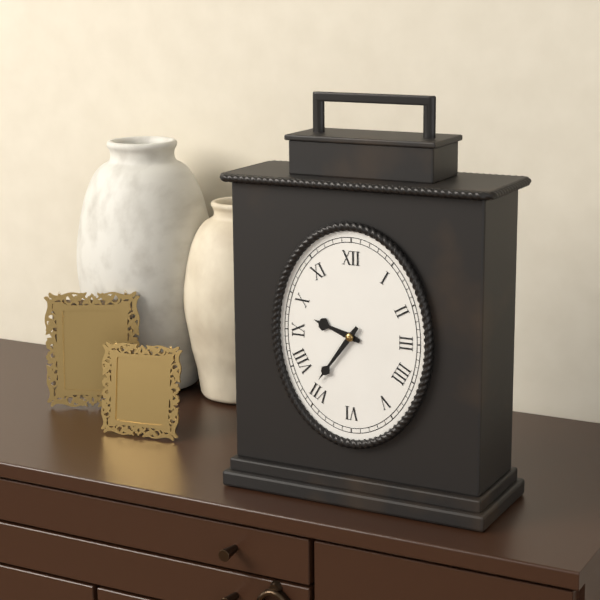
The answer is 9:36
